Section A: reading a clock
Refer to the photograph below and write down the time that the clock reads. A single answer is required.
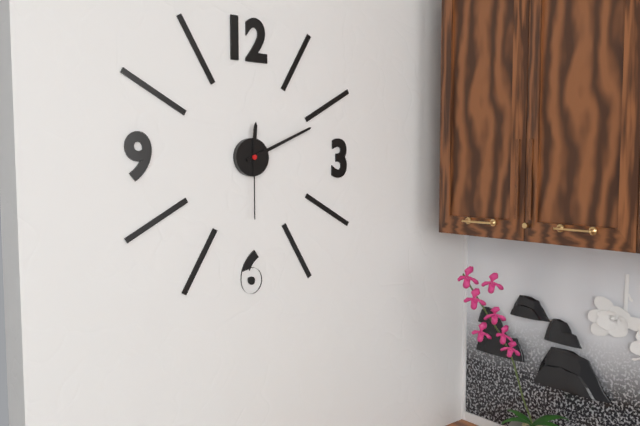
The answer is 12:11:30
